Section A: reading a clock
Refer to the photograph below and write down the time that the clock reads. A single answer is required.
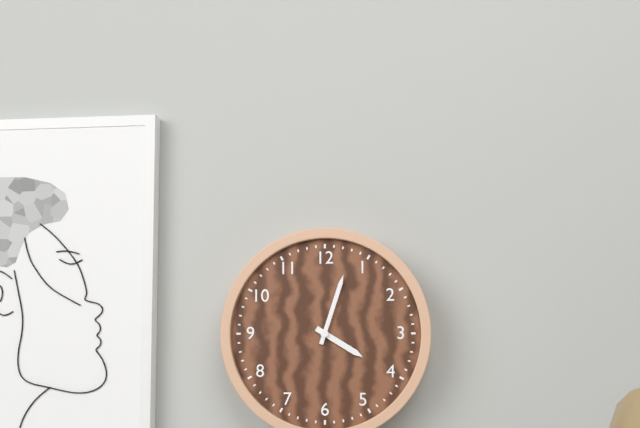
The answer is 4:03
